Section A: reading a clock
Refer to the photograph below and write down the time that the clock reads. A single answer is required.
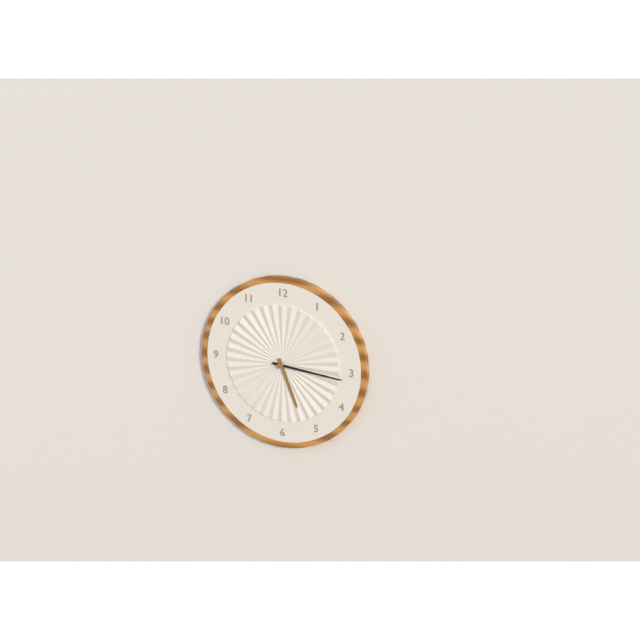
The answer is 5:16
